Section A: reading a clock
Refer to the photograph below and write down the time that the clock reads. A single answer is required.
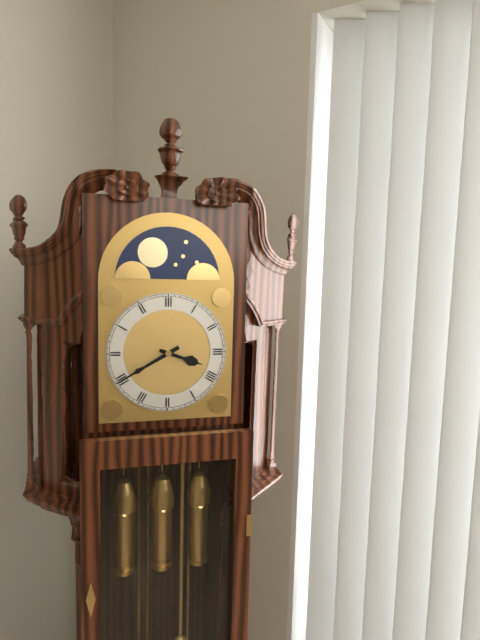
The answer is 3:40
